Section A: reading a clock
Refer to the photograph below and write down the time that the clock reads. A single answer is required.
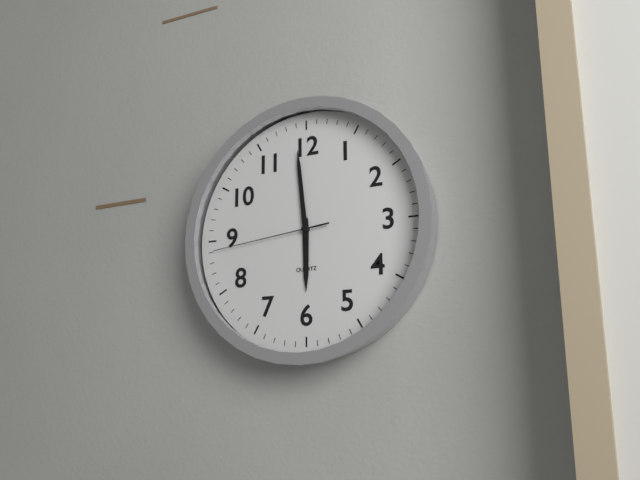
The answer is 5:59:44
